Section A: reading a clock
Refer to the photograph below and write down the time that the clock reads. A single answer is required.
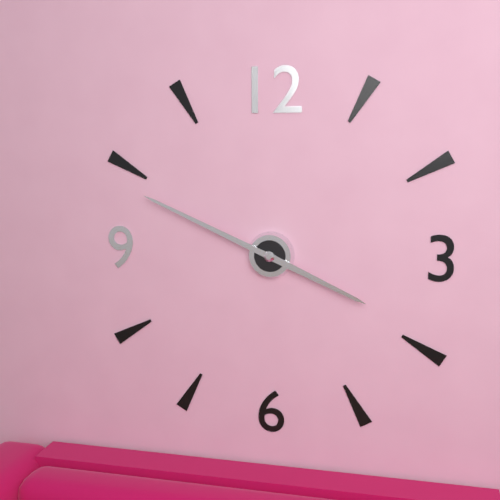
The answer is 3:49
